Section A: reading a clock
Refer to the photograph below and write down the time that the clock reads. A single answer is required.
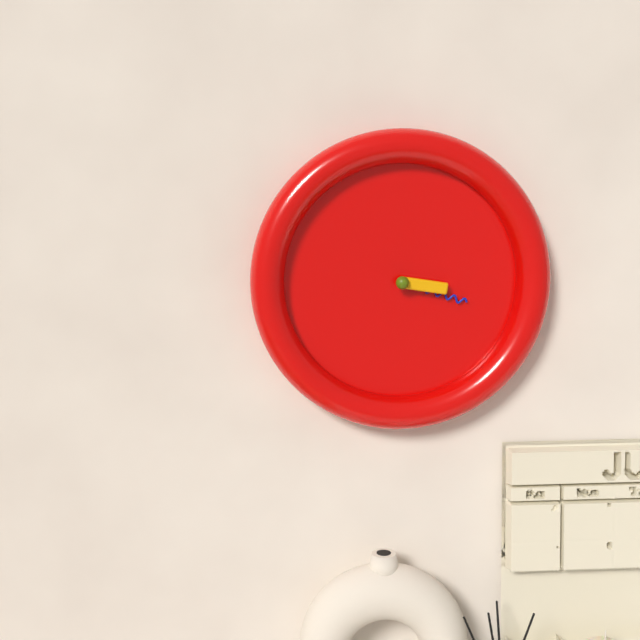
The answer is 3:18
